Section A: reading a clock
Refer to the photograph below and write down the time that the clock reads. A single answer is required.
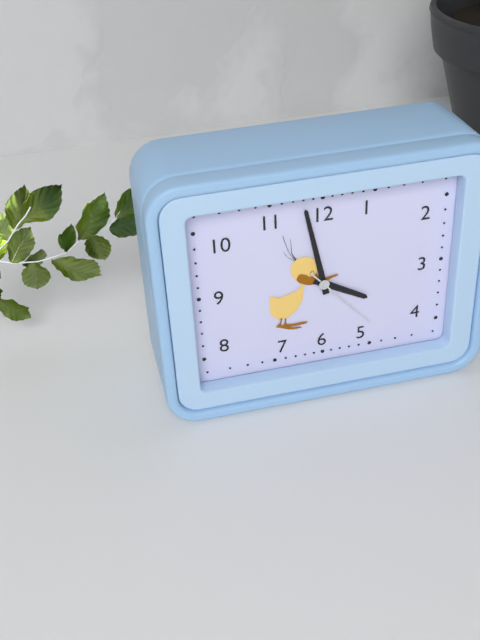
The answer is 3:58:23
